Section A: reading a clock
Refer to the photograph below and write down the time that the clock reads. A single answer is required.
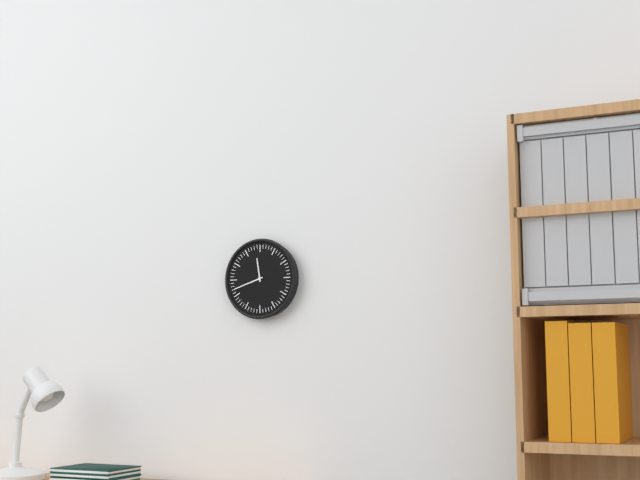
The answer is 11:42
